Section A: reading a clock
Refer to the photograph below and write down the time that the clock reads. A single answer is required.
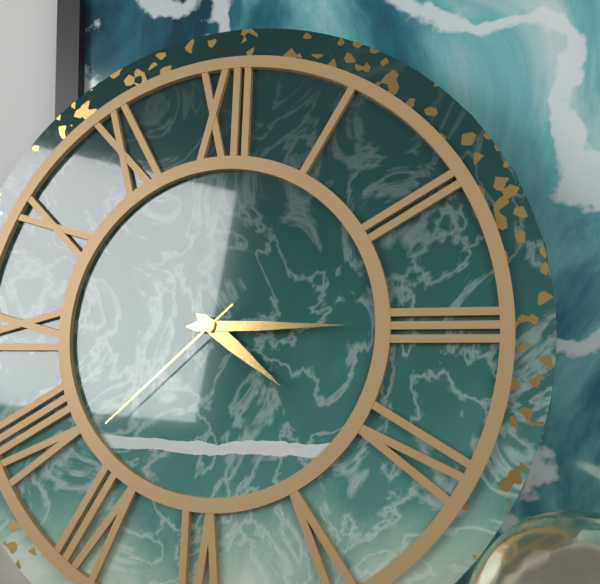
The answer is 4:15:38
